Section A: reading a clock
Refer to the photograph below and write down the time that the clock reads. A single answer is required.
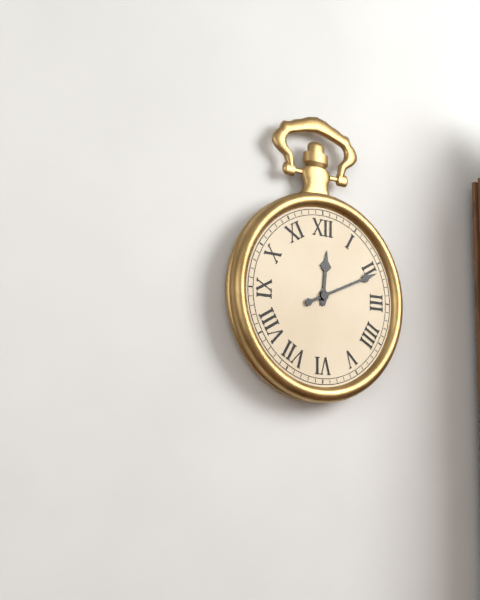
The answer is 12:11
